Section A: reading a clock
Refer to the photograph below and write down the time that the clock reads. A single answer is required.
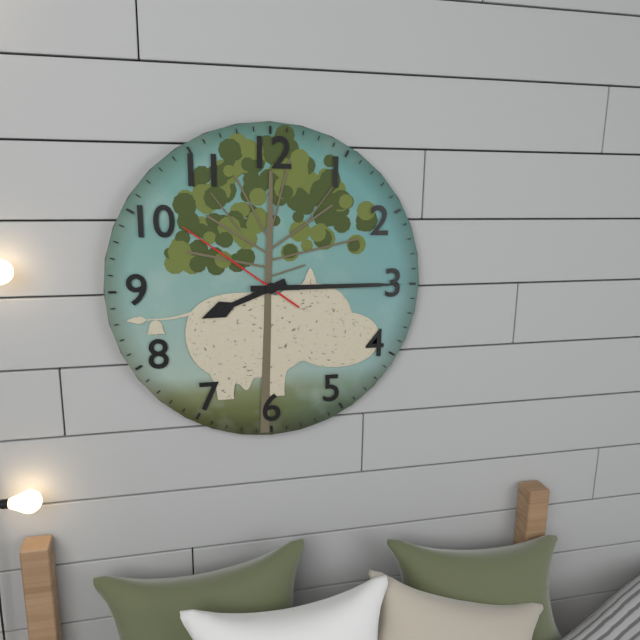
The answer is 8:15:51
